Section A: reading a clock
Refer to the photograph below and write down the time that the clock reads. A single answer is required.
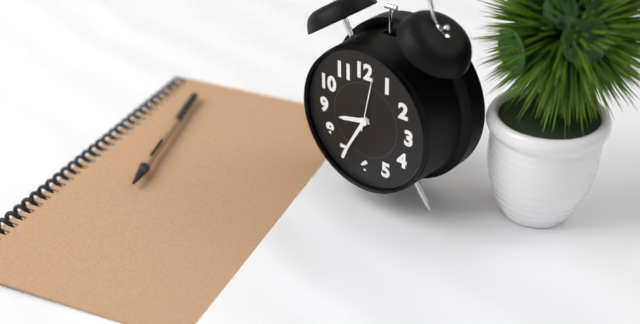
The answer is 8:35:02
